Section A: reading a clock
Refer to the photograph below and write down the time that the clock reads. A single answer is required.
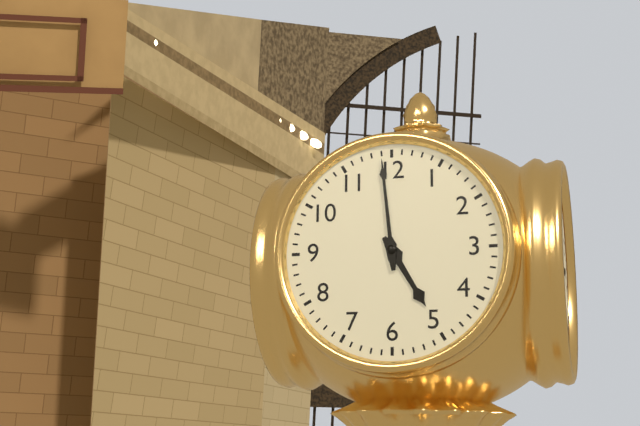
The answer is 4:59
